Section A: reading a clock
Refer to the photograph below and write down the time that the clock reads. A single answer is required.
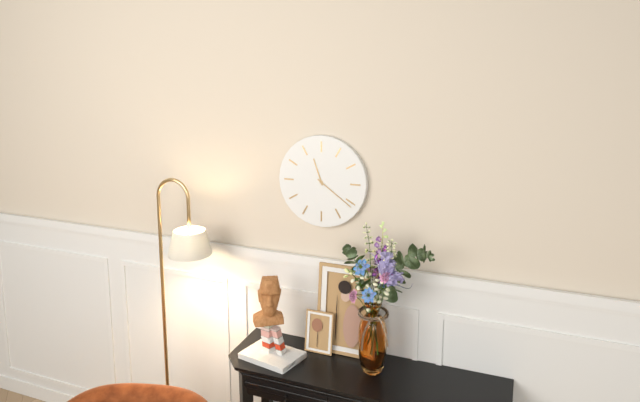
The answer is 11:21
